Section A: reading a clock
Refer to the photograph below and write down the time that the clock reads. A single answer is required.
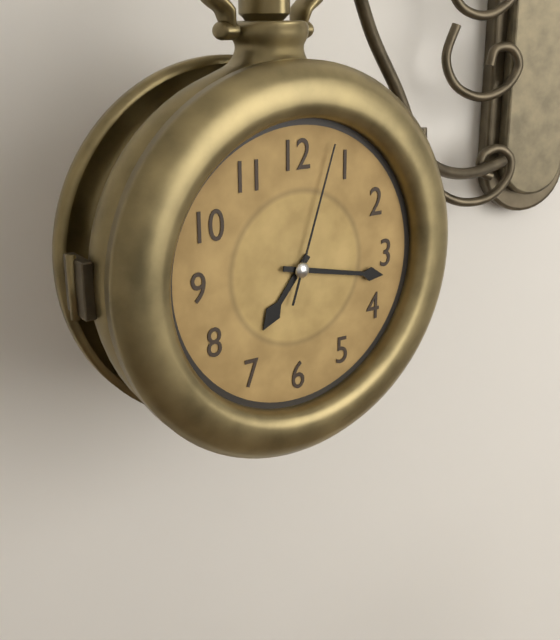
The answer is 7:17:03
